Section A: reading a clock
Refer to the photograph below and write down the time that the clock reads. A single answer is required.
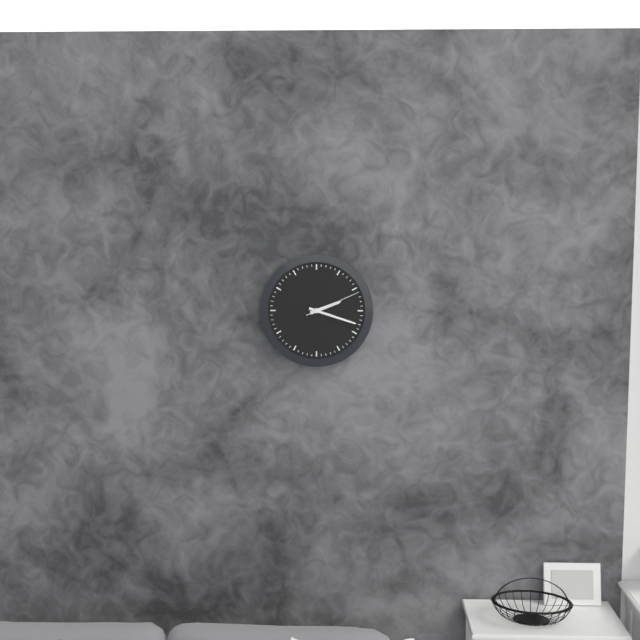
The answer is 2:18:11
